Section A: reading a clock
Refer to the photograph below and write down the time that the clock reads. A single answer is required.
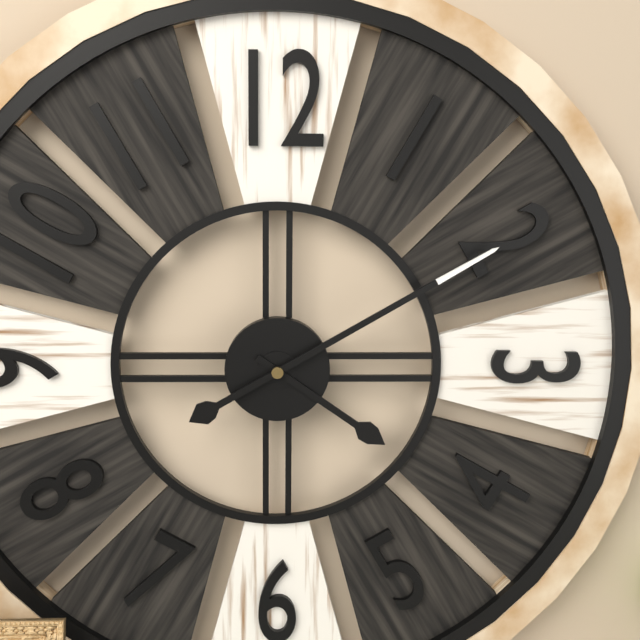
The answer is 4:10
